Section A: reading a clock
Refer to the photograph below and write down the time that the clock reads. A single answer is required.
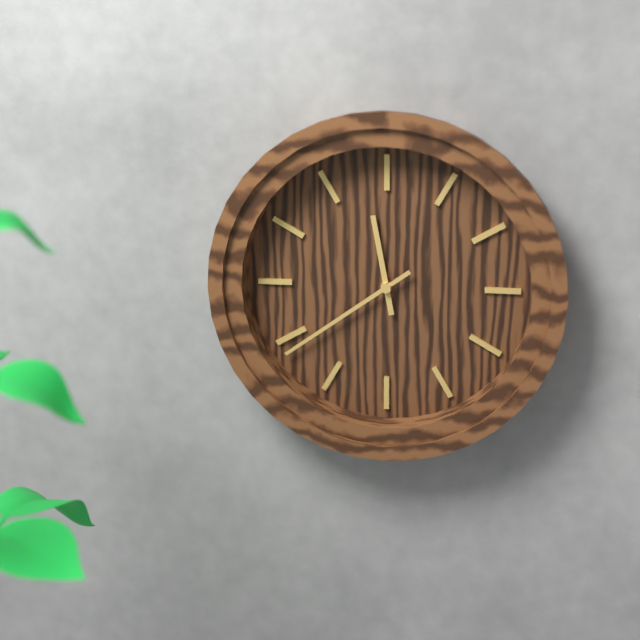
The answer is 11:39
